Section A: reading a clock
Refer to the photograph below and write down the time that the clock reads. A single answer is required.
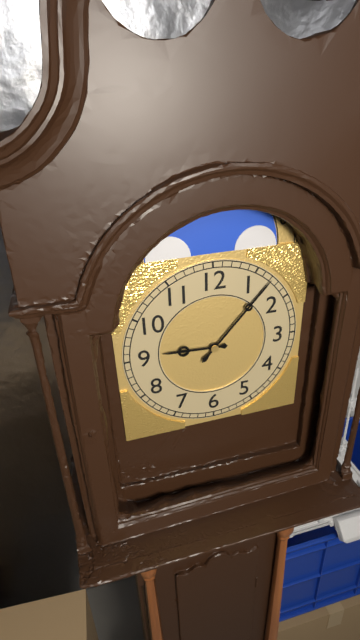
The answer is 9:07
